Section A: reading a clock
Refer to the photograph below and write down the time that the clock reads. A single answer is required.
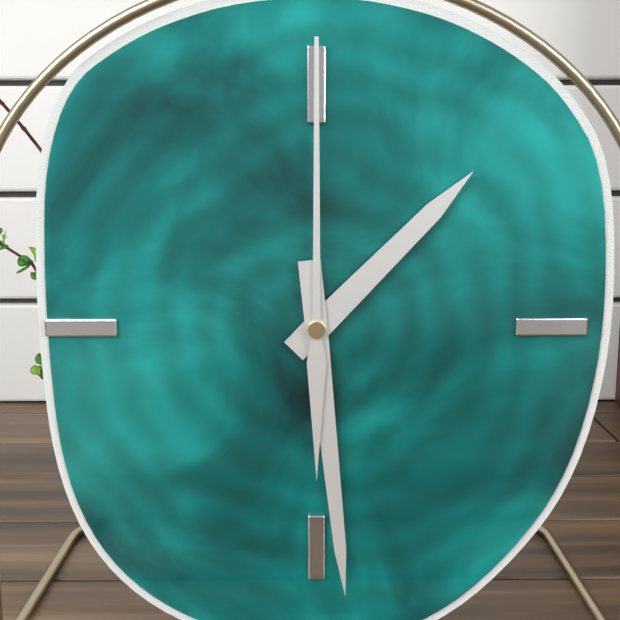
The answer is 1:29:00
